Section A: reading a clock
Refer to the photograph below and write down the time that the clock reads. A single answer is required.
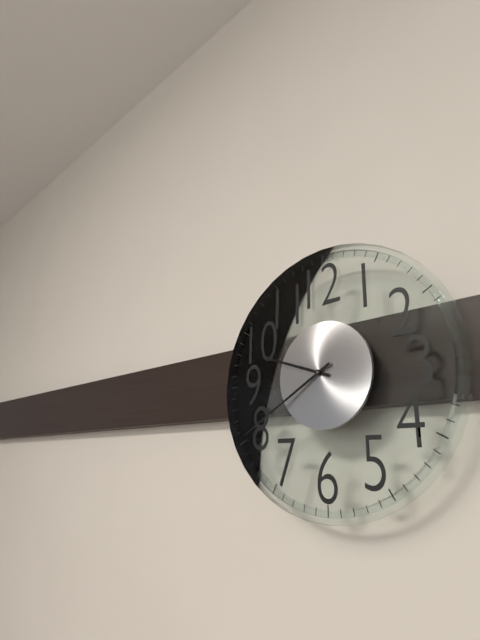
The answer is 9:40
